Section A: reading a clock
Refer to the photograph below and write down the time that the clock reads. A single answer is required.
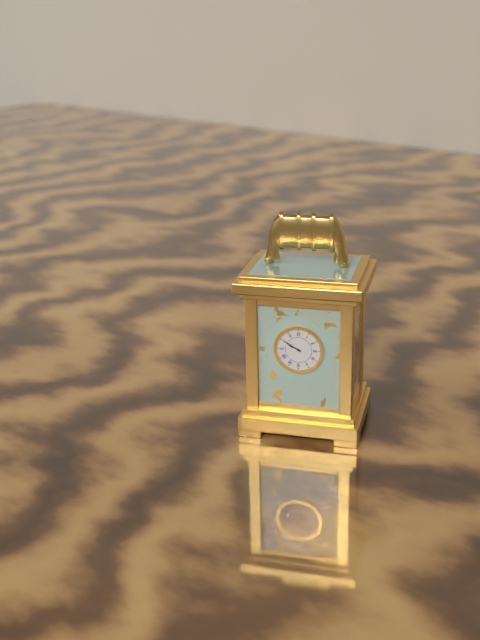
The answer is 9:50
